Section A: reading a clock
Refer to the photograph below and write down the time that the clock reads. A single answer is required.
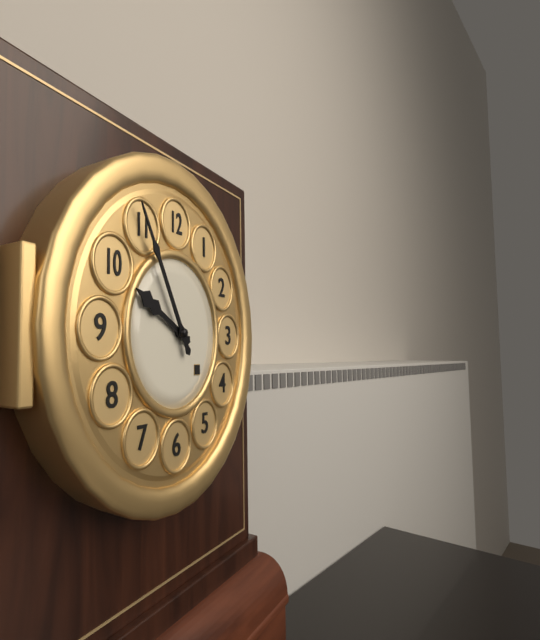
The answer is 9:55
